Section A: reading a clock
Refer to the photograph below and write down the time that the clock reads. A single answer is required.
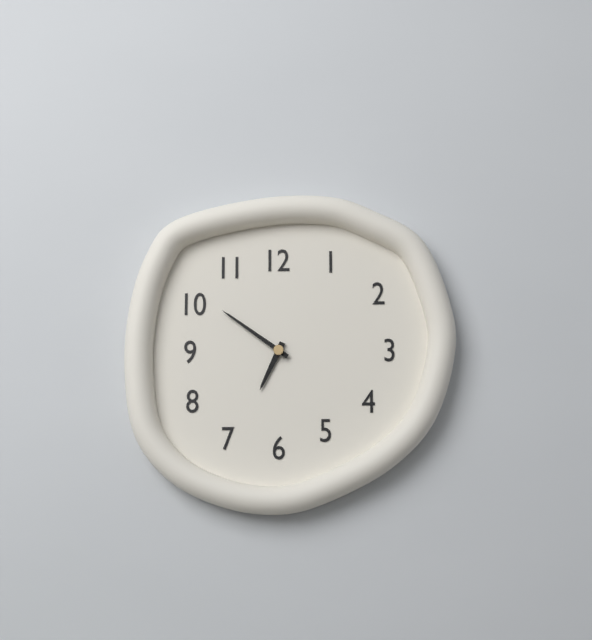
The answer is 6:51
